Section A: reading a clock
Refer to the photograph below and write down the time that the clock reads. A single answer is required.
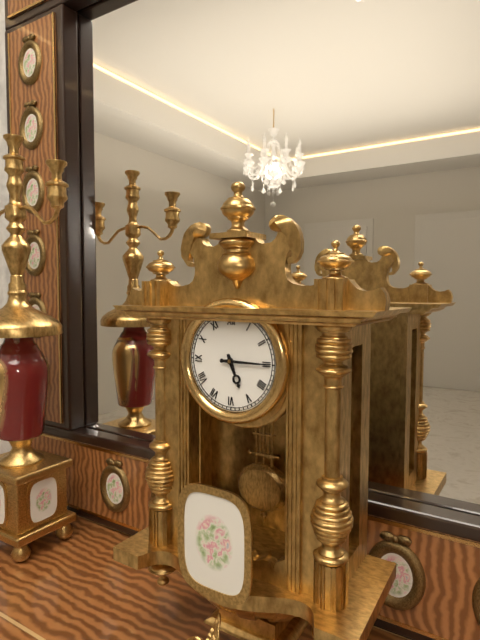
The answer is 5:15
